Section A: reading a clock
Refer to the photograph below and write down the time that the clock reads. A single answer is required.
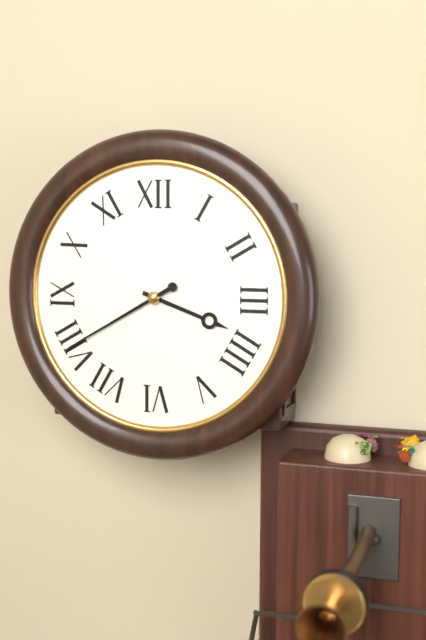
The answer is 3:40
